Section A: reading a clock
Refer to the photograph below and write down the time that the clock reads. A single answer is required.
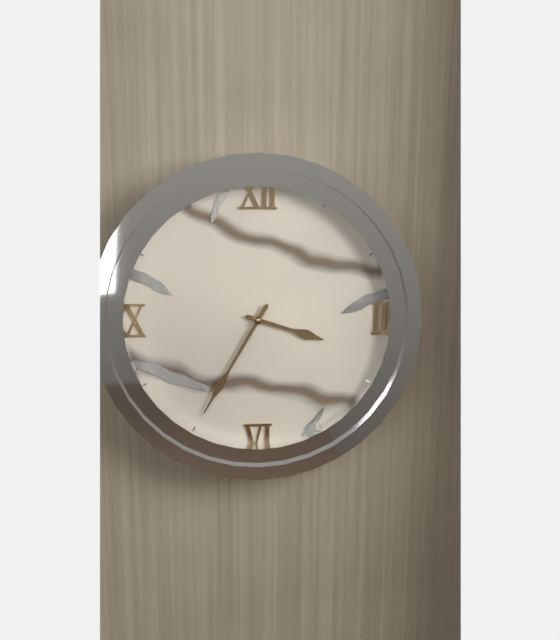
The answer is 3:35
